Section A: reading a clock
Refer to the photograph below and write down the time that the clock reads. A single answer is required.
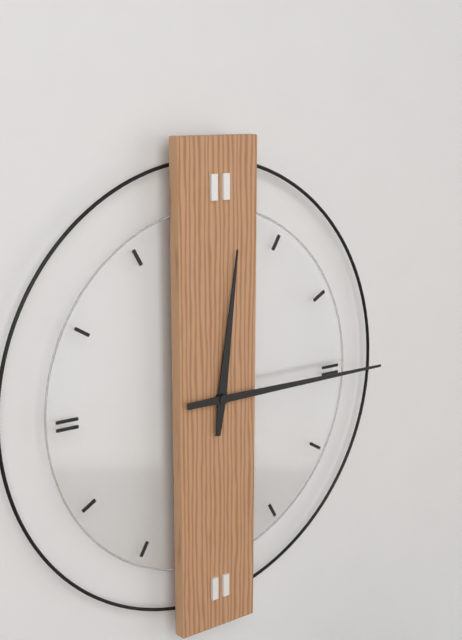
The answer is 12:15
